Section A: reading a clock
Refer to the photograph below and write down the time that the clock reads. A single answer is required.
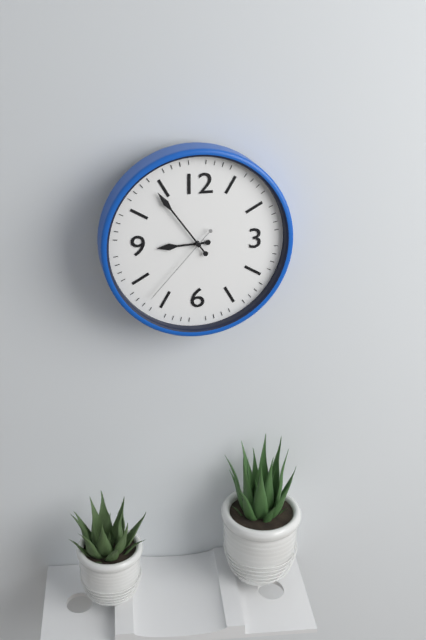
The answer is 8:54:37
